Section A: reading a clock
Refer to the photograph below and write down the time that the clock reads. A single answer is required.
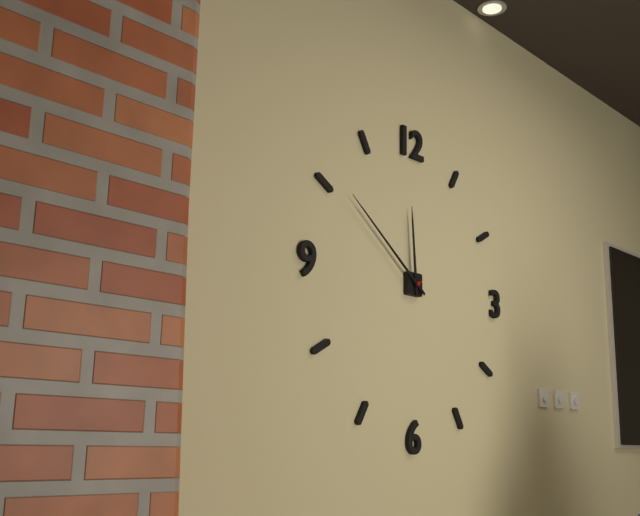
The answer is 11:51
